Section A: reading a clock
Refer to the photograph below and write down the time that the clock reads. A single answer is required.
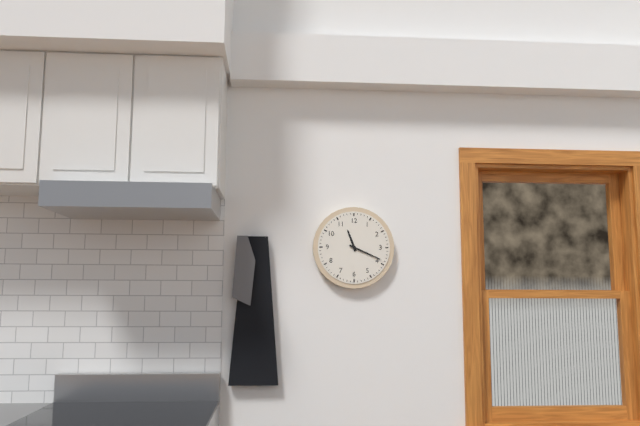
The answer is 11:19
